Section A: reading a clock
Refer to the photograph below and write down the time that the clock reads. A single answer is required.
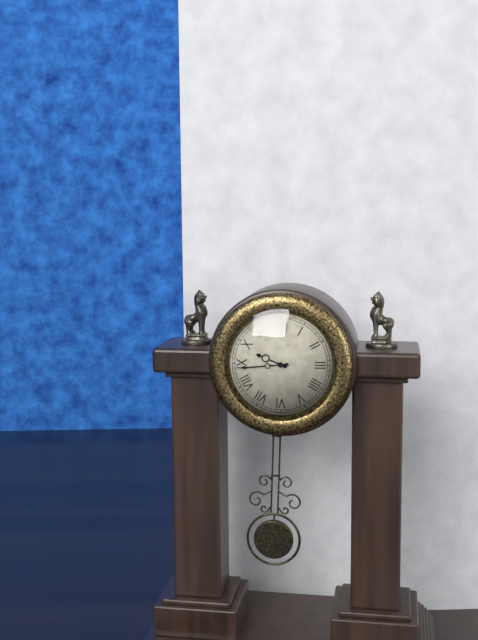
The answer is 9:44
